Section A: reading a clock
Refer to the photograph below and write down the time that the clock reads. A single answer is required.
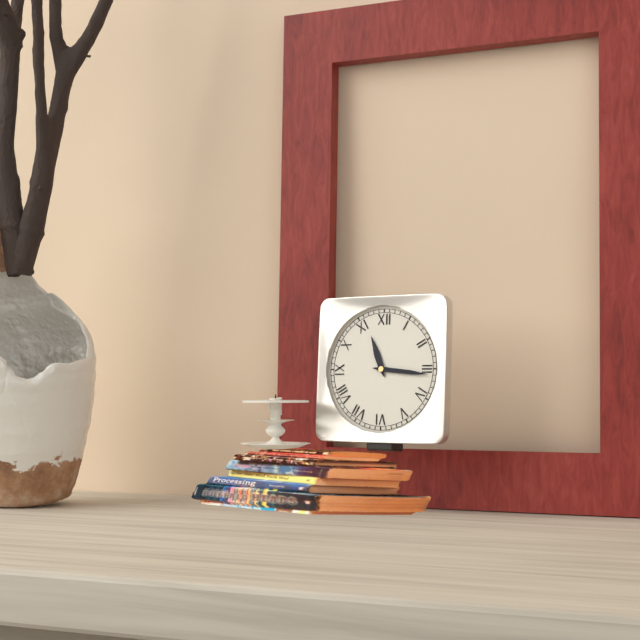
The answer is 11:16
